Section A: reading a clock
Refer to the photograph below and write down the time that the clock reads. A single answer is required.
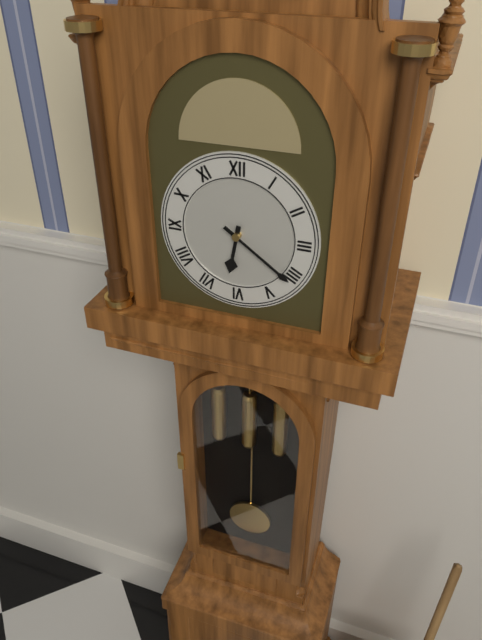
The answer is 6:21
